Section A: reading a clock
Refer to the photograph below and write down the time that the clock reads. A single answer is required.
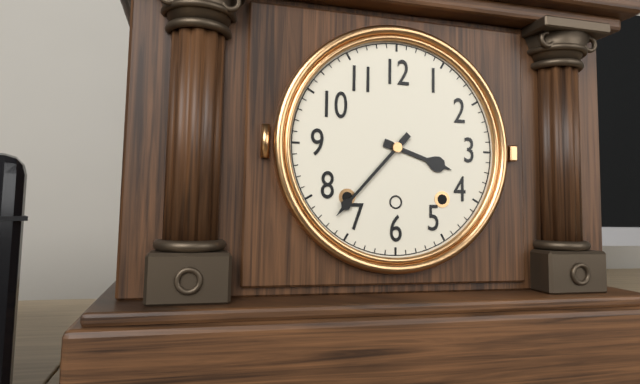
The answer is 3:37
